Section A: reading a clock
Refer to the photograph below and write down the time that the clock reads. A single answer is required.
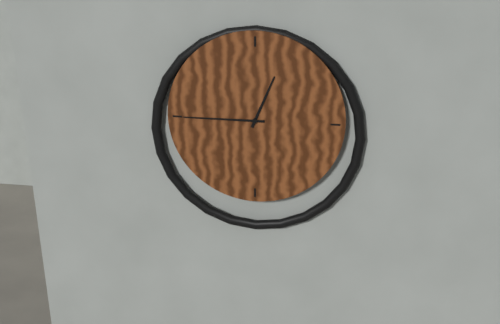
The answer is 12:45
